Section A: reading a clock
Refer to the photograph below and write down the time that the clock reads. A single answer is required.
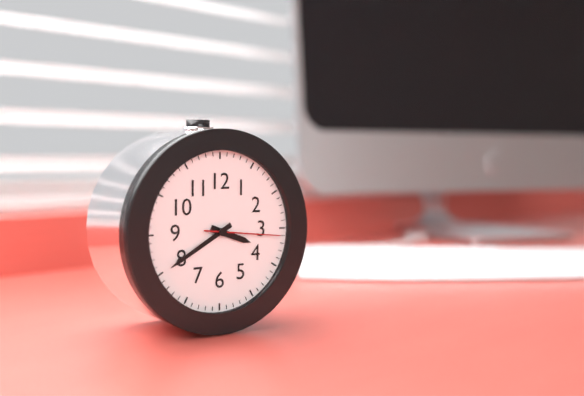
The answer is 3:40:16
